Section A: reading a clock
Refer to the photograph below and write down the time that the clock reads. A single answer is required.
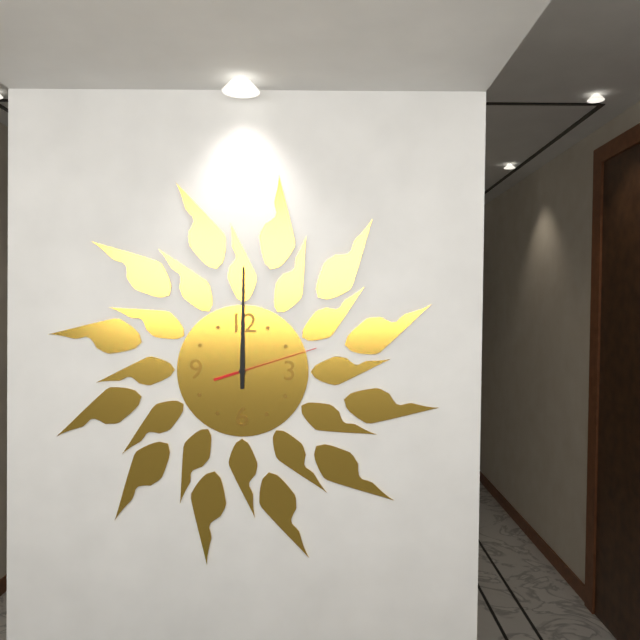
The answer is 12:00:12
